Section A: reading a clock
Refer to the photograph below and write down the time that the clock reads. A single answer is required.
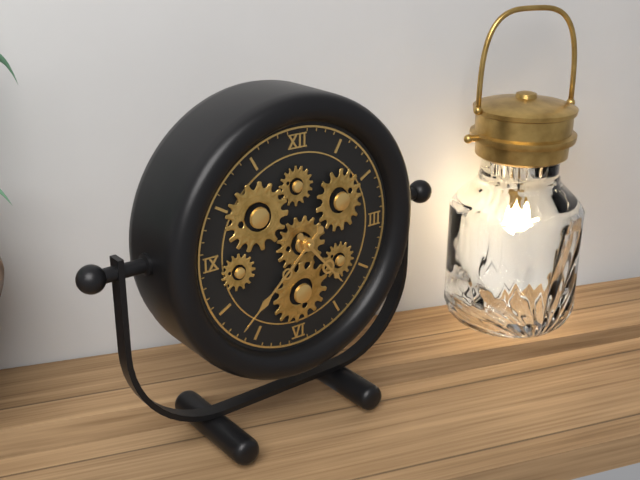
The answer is 4:38
